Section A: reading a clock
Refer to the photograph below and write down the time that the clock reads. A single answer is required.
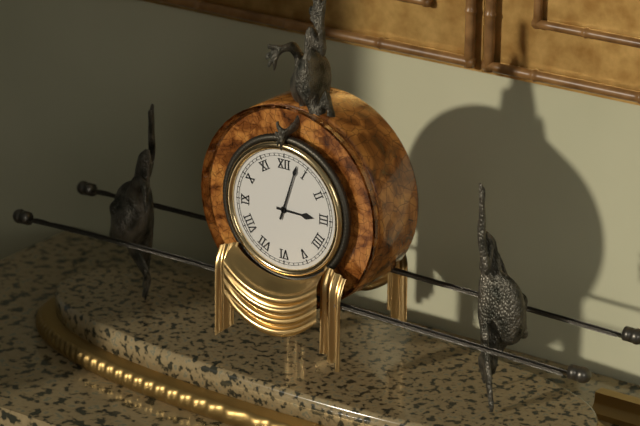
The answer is 3:03
